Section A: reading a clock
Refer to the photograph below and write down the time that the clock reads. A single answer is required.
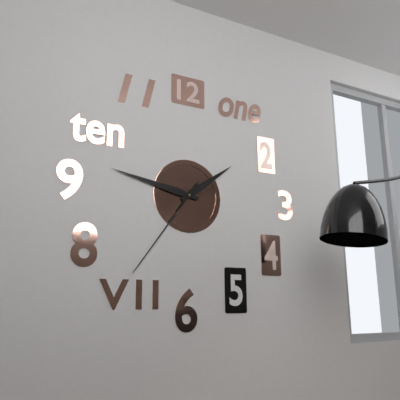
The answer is 1:47:36
